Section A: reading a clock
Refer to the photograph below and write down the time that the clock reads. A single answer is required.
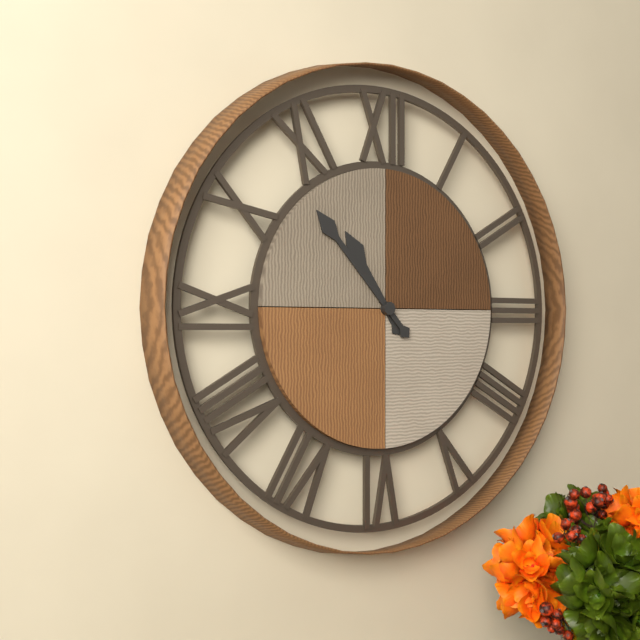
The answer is 10:53
